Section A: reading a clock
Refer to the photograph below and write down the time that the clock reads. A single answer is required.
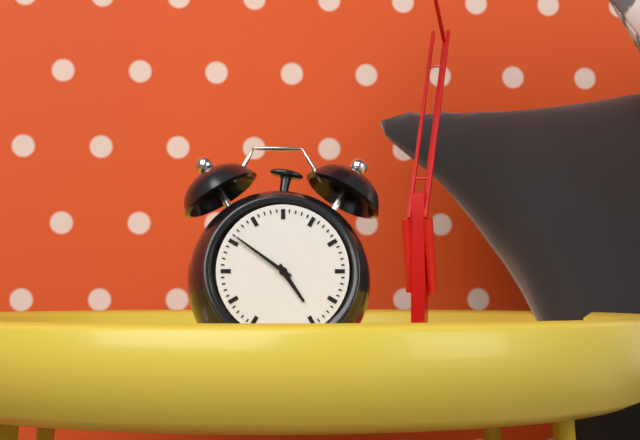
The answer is 4:51
